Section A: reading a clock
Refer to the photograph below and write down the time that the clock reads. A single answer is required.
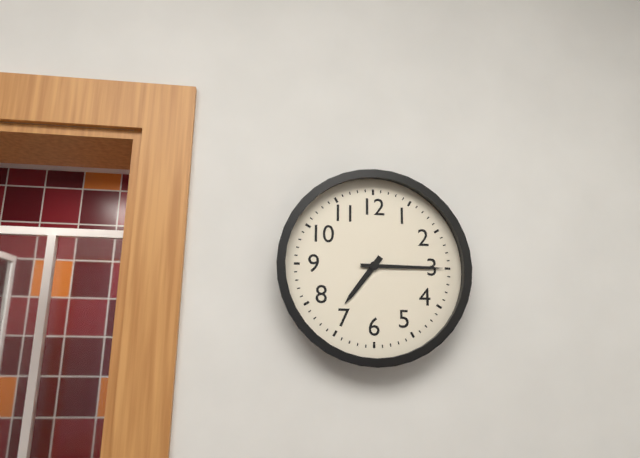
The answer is 7:15
